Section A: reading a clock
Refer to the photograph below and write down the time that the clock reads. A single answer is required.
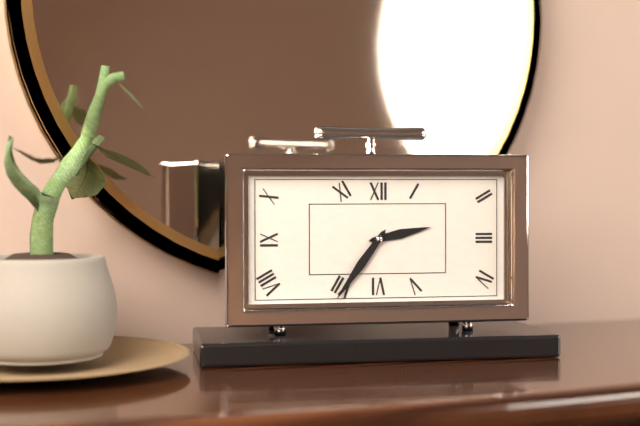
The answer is 2:36
